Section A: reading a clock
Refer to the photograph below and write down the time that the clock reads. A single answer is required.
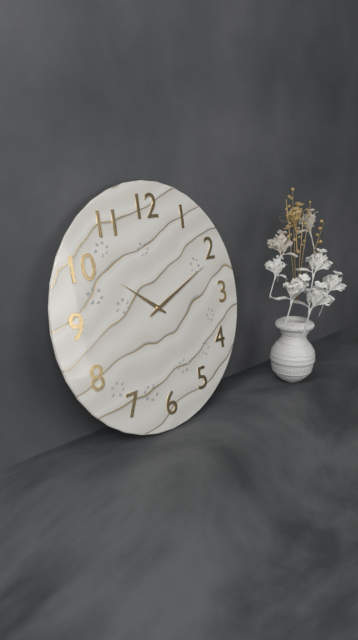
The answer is 10:11
